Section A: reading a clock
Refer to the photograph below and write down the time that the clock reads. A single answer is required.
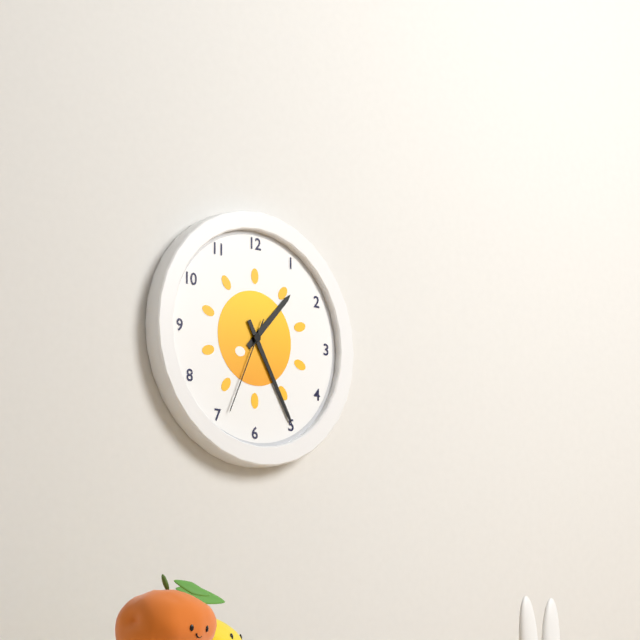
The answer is 1:25:34
